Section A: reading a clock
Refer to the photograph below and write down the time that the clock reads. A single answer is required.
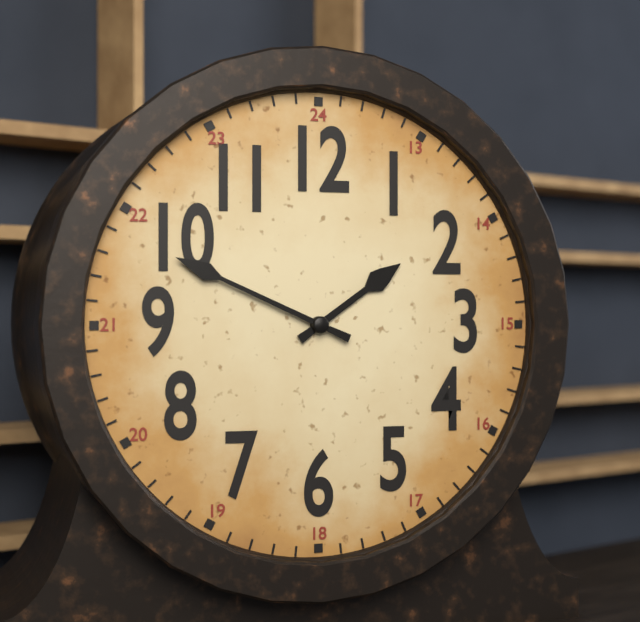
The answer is 1:49
